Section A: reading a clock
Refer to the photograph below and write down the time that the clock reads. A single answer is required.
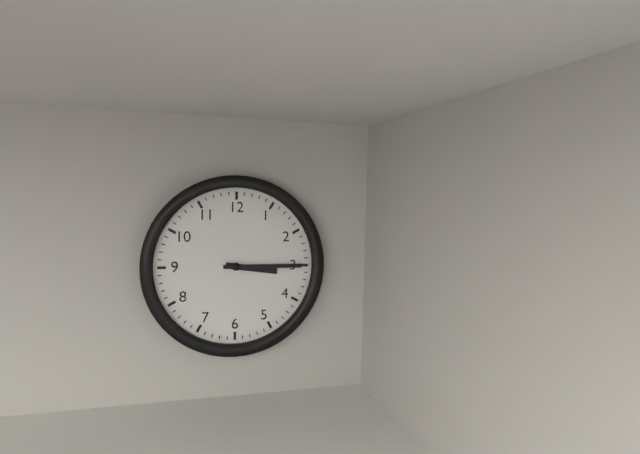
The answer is 3:15
